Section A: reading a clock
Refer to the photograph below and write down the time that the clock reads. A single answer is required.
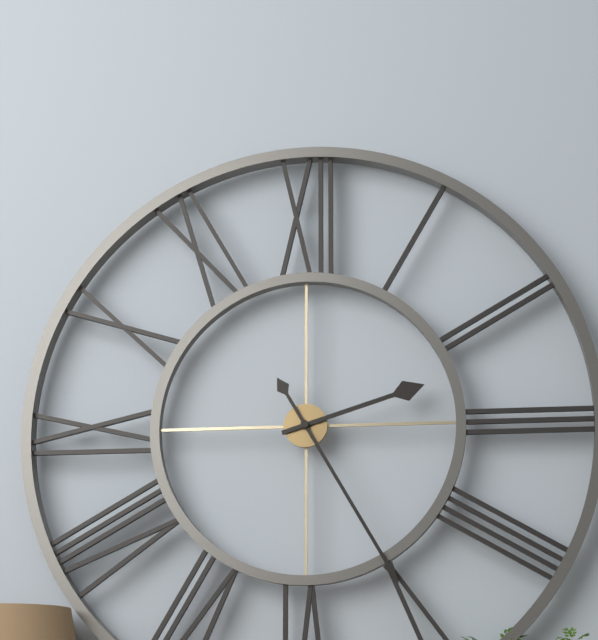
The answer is 2:25
